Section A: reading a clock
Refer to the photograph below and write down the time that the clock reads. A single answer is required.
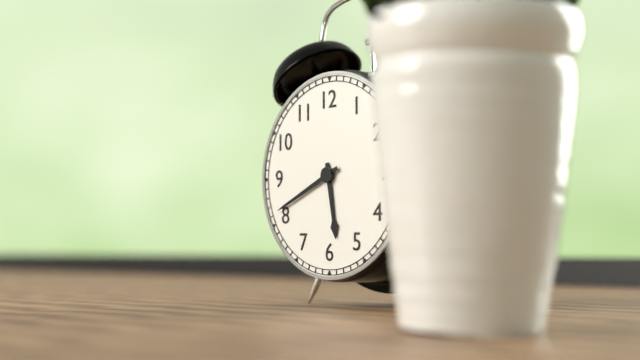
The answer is 5:41
